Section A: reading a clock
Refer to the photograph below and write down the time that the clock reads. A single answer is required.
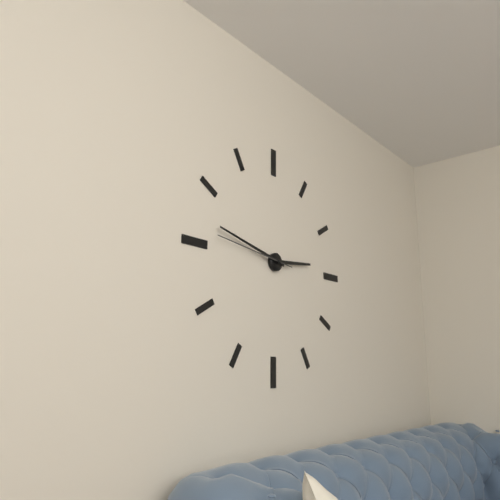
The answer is 2:47:46
